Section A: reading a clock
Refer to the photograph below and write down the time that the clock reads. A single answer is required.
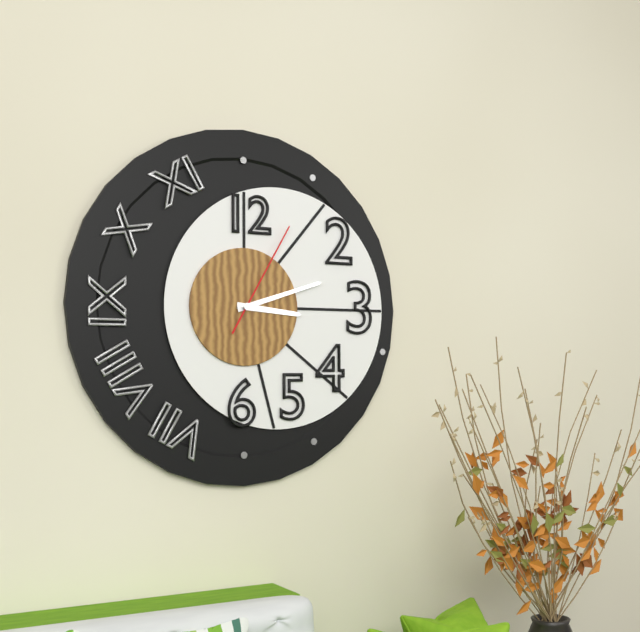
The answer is 3:12:05
